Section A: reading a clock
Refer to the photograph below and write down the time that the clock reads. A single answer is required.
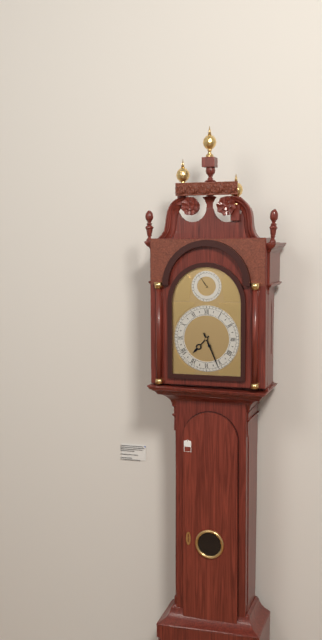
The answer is 7:26
